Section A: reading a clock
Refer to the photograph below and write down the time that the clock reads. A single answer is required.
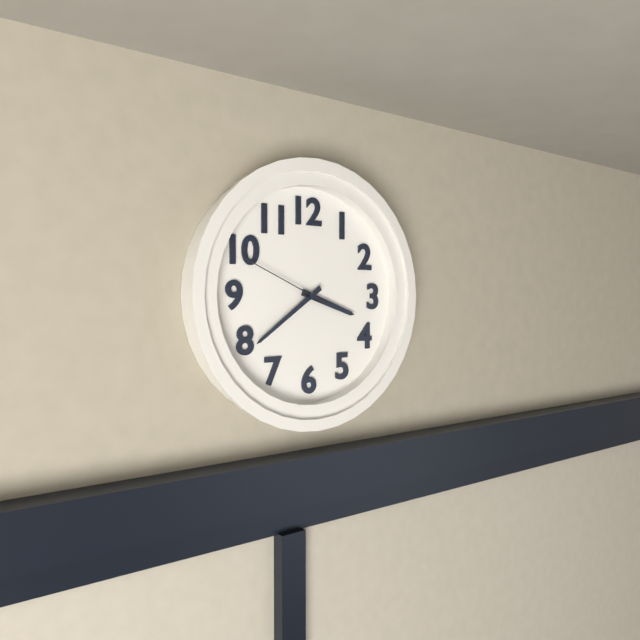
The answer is 3:39:49
